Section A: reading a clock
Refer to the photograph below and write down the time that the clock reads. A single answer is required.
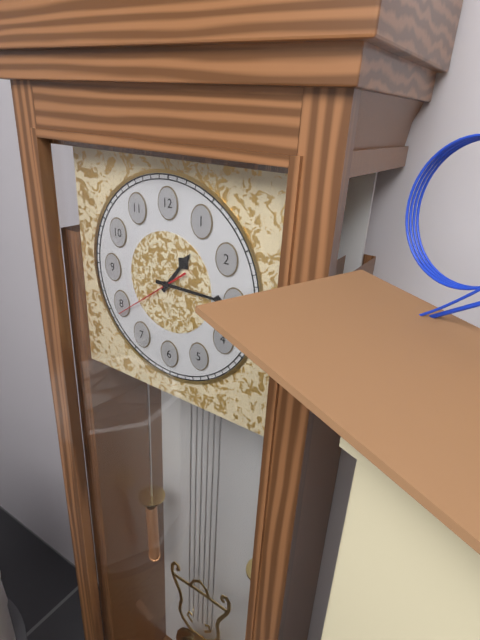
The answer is 1:15:39
